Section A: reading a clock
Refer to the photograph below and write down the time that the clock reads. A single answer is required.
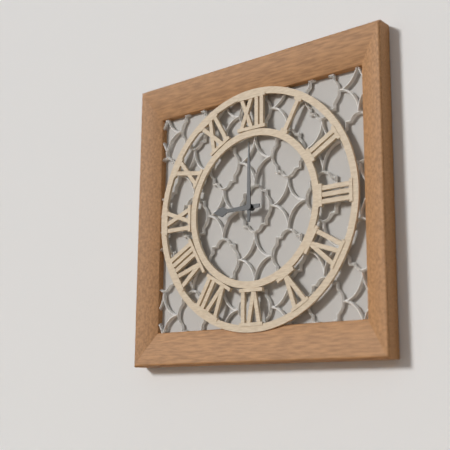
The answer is 9:00
